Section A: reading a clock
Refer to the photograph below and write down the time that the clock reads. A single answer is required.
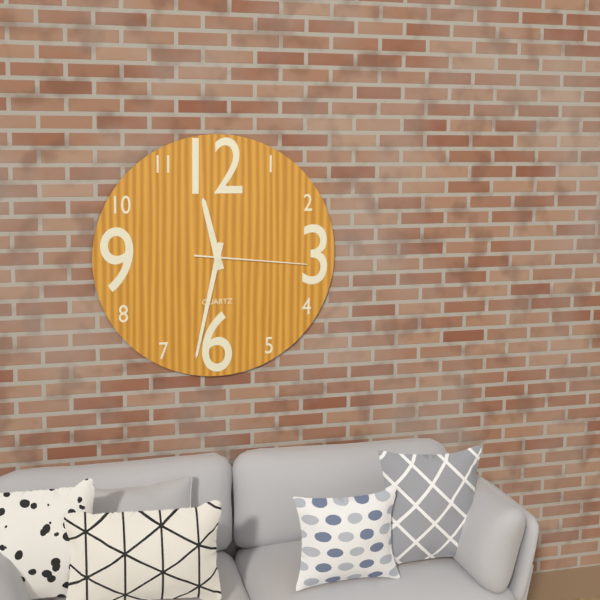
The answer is 11:32:16
